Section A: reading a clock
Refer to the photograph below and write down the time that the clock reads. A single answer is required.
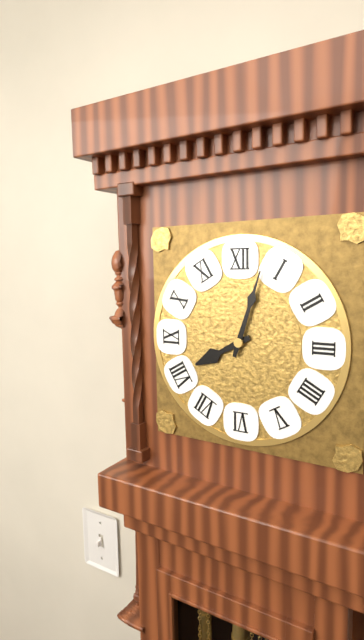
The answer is 8:03
